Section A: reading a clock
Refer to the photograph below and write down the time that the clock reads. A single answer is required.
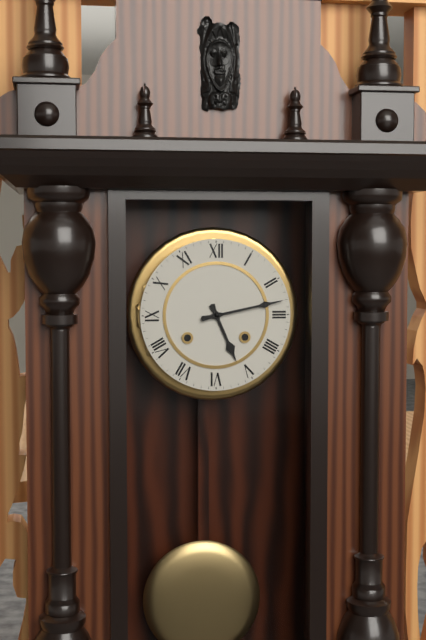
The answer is 5:13
